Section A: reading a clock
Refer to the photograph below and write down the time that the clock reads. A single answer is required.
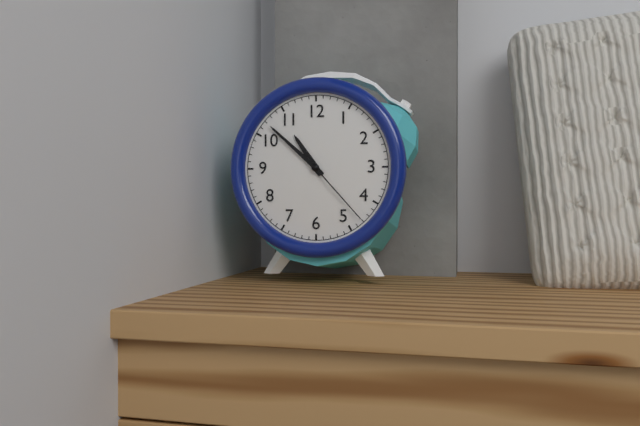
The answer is 10:52:23
